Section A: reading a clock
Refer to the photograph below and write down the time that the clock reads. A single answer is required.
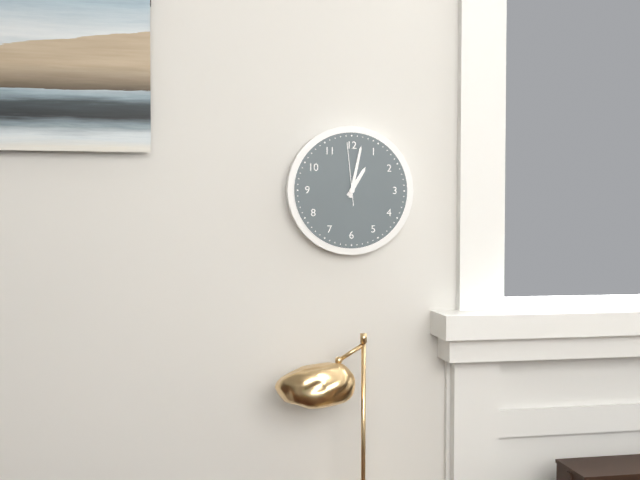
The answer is 1:02:59
